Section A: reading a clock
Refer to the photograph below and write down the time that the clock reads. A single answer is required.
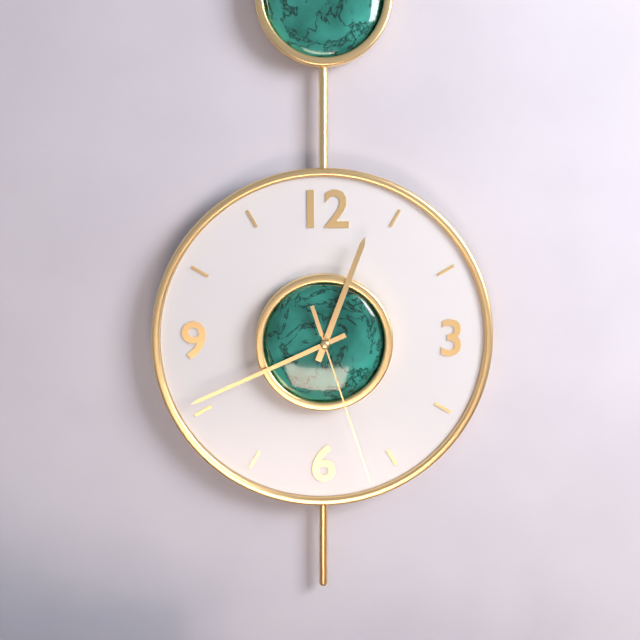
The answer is 12:41:27
